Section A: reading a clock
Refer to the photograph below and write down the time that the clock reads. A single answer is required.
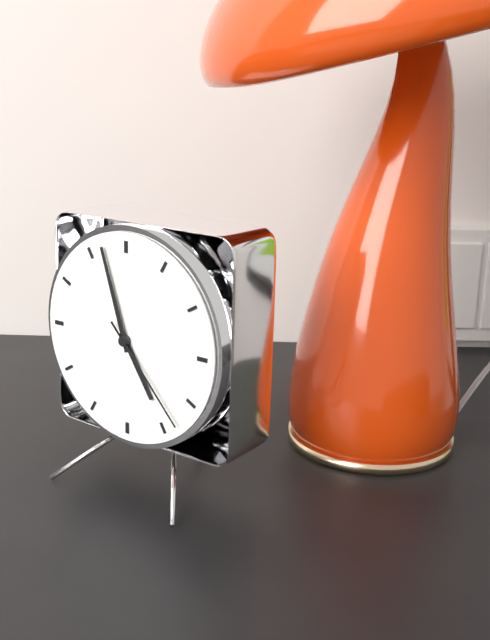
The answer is 4:57:23
